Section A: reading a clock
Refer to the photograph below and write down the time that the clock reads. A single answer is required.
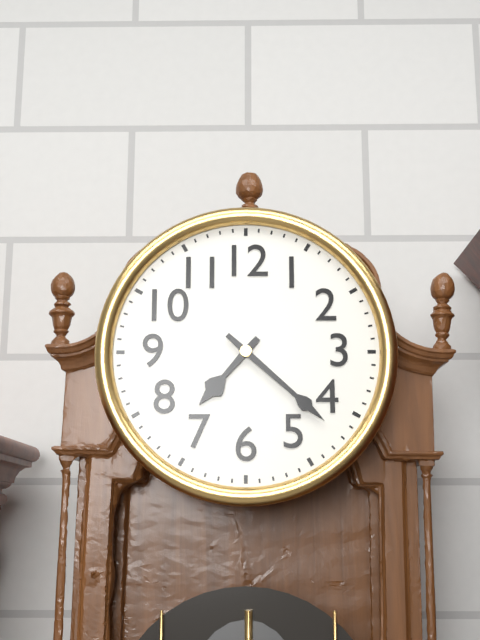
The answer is 7:22
